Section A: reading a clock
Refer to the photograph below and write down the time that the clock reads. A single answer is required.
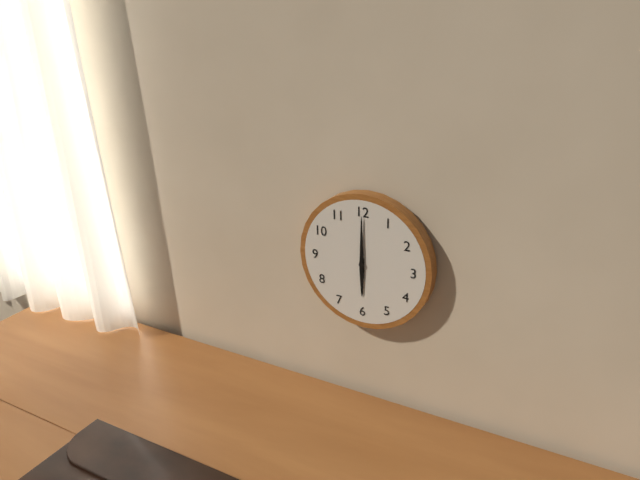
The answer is 6:00
